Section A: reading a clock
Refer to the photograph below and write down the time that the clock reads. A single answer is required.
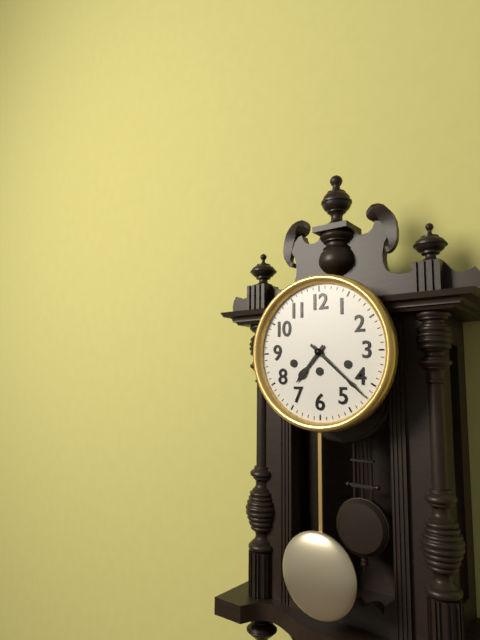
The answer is 7:22
